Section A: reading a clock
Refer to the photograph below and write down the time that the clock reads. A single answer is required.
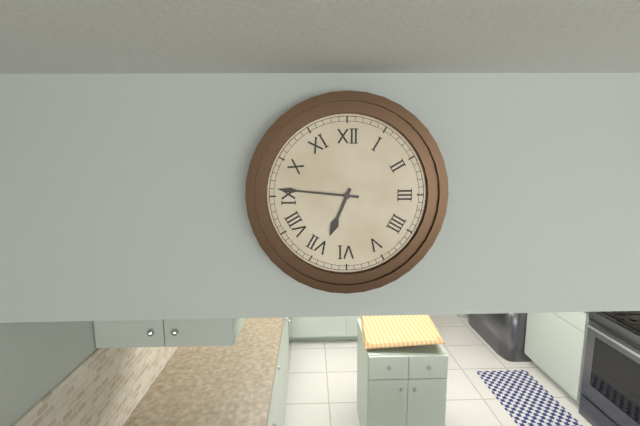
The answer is 6:46
